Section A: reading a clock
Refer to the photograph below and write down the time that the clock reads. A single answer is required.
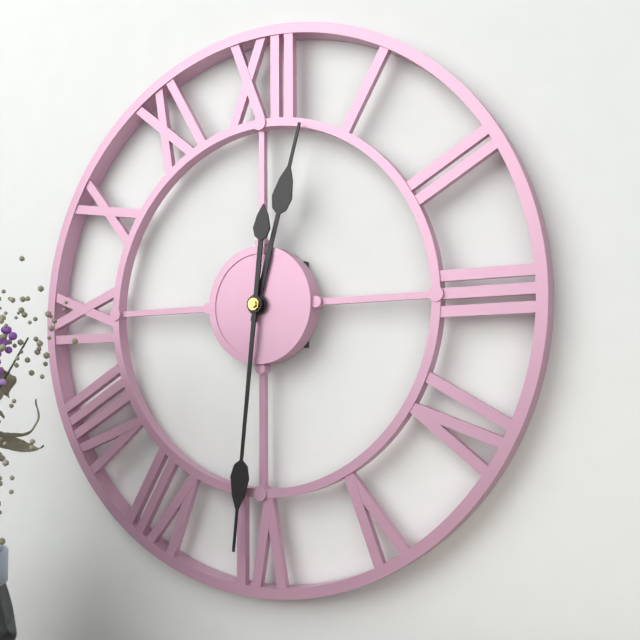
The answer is 12:31
